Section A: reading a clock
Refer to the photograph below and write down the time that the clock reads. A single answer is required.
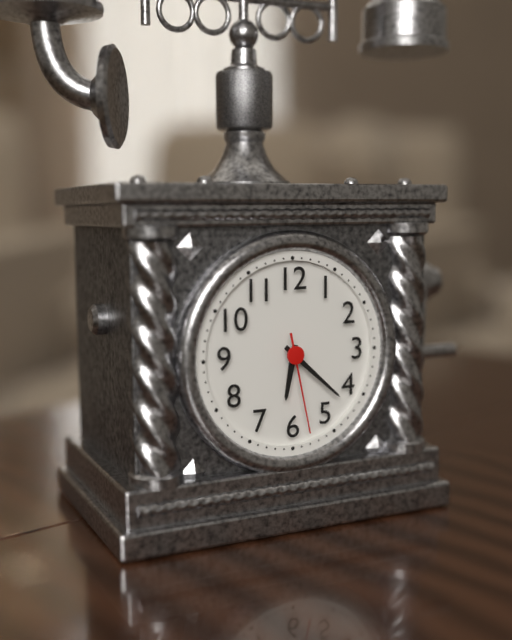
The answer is 6:22:28
